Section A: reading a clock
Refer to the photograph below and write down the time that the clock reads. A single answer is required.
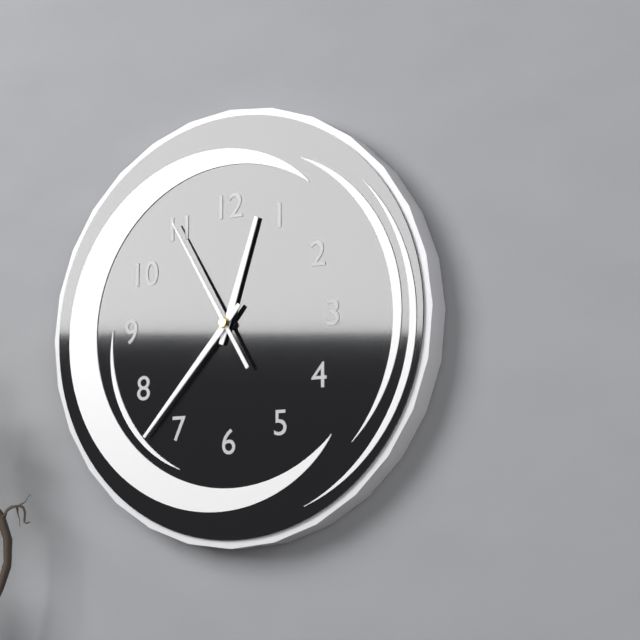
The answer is 12:37:55
